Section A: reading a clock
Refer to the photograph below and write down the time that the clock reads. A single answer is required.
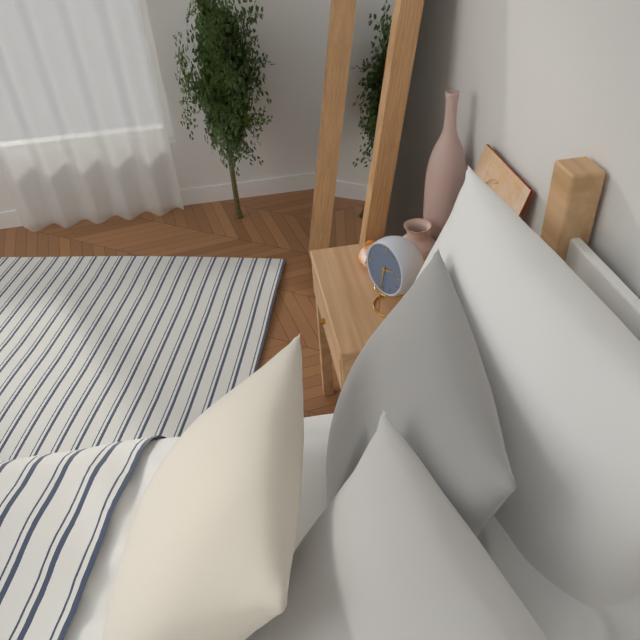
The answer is 2:31
